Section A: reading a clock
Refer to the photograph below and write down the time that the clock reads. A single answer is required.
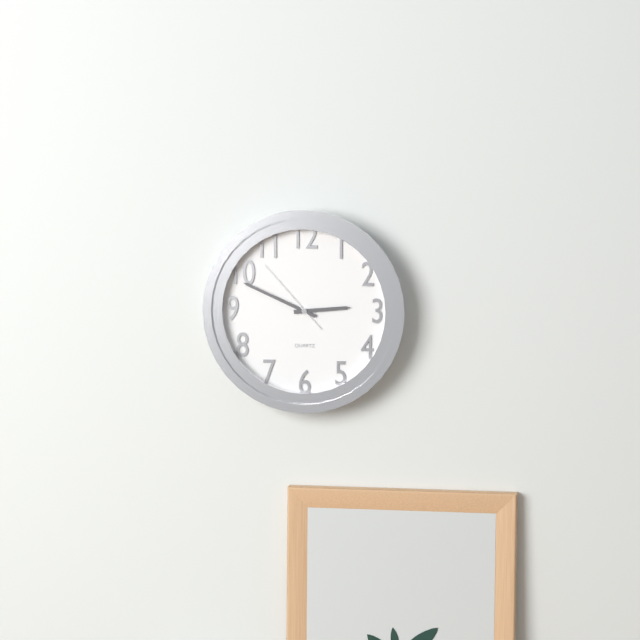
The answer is 2:49:53
